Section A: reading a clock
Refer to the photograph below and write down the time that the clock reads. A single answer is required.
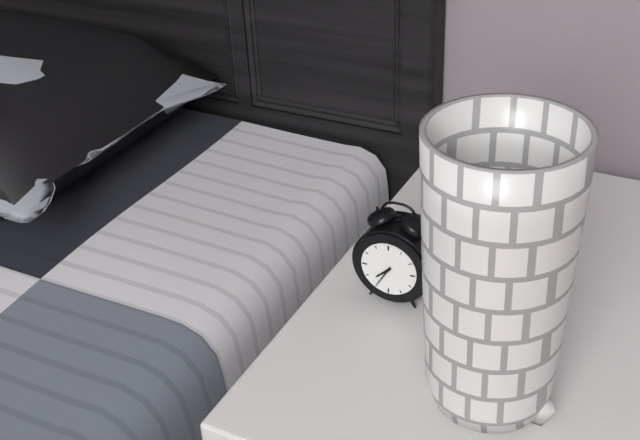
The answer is 7:35
